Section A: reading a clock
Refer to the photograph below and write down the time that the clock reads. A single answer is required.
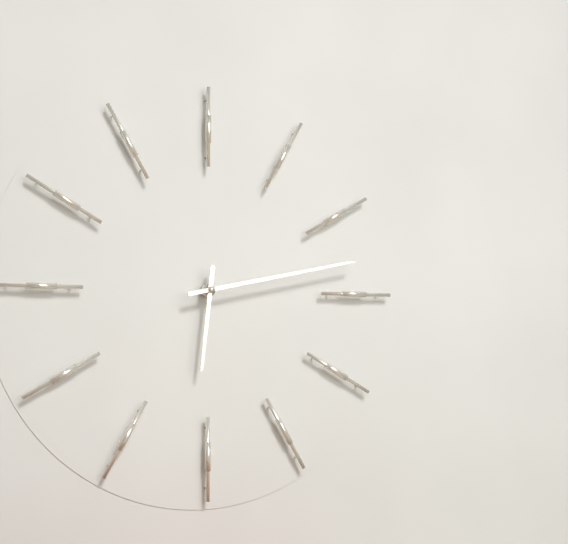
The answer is 6:13
